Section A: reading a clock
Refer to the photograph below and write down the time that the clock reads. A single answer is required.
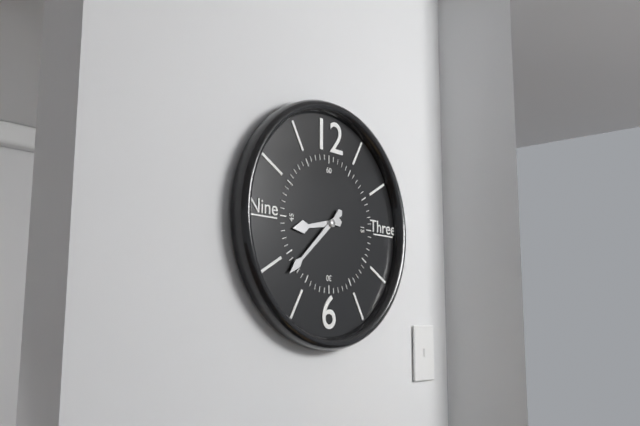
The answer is 8:38
